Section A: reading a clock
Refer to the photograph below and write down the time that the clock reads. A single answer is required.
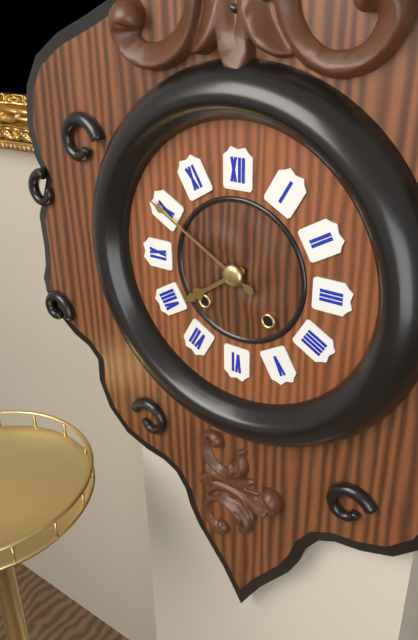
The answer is 7:50
